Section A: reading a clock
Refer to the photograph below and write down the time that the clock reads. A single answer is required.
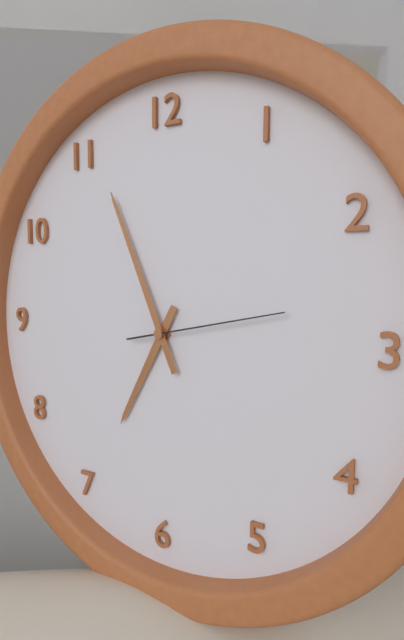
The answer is 6:56:13
